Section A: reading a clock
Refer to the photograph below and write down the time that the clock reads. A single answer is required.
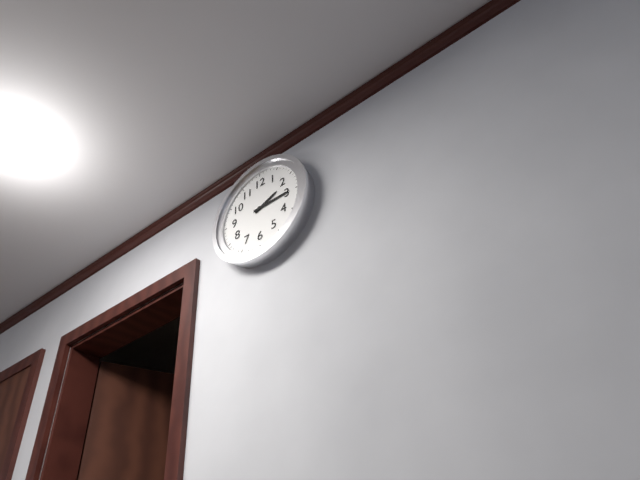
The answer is 2:15
